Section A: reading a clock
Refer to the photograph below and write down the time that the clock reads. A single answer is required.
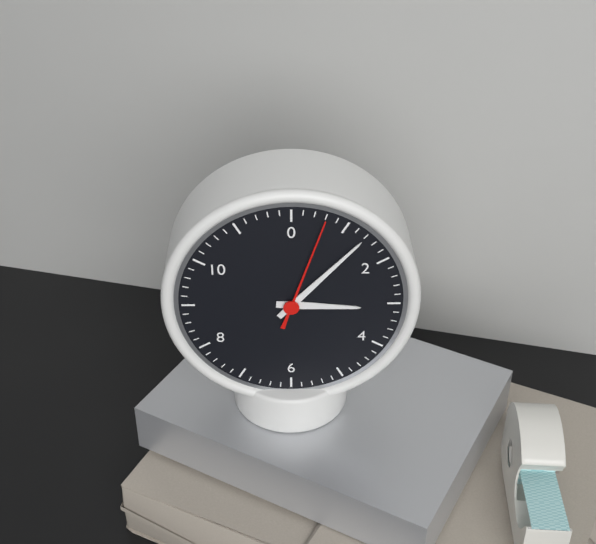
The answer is 3:07:03
